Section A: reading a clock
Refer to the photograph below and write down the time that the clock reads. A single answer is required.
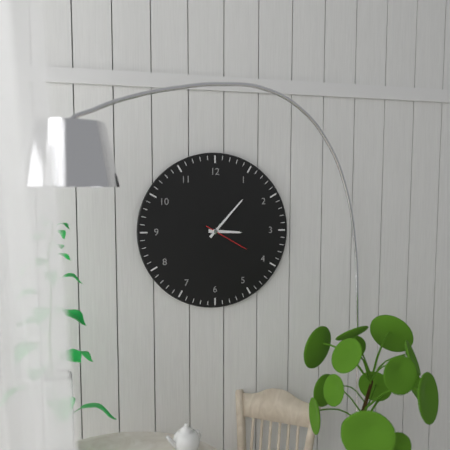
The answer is 3:07
